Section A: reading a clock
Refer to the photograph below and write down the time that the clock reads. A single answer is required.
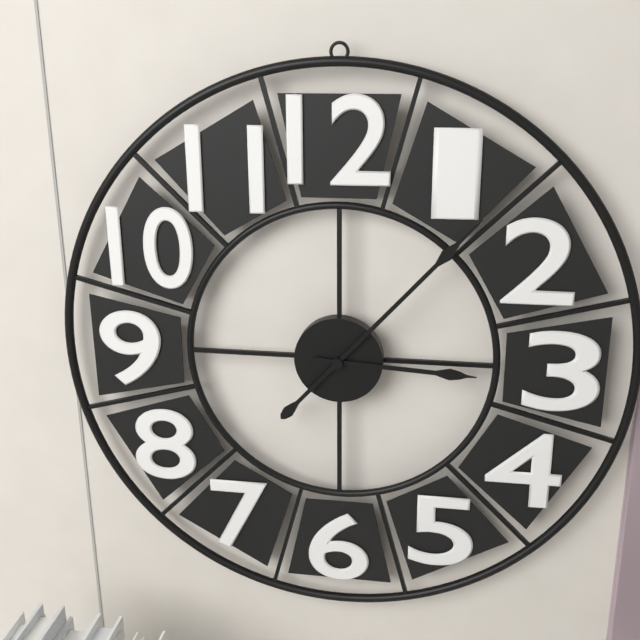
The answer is 3:07
